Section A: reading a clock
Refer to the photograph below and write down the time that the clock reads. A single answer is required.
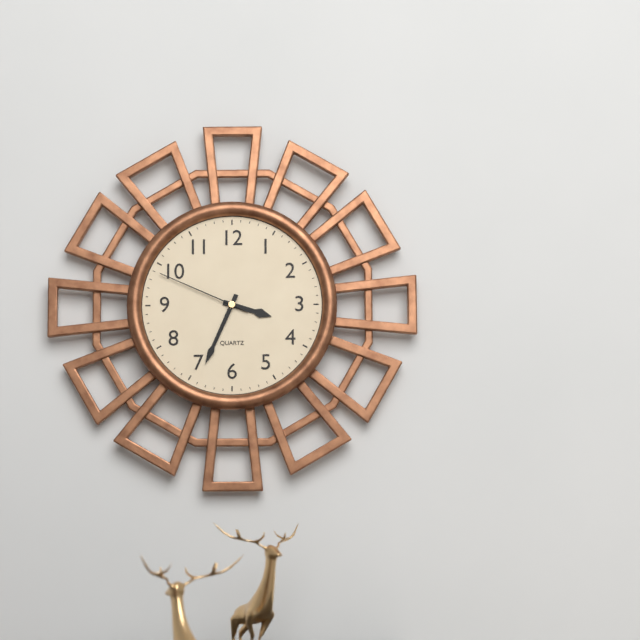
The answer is 3:34:49
